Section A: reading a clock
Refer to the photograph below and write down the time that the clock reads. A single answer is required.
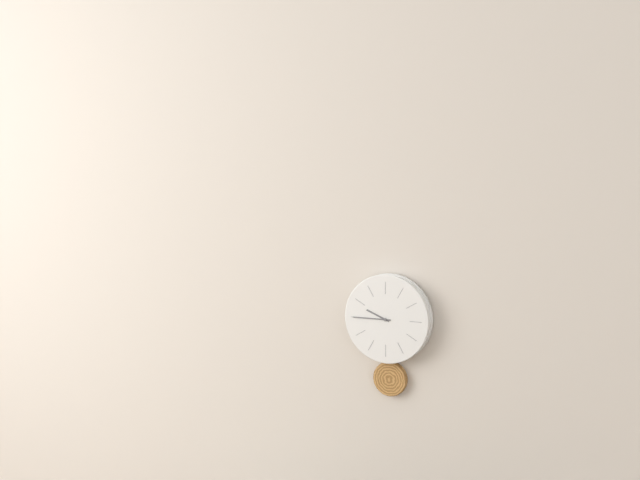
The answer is 9:45
